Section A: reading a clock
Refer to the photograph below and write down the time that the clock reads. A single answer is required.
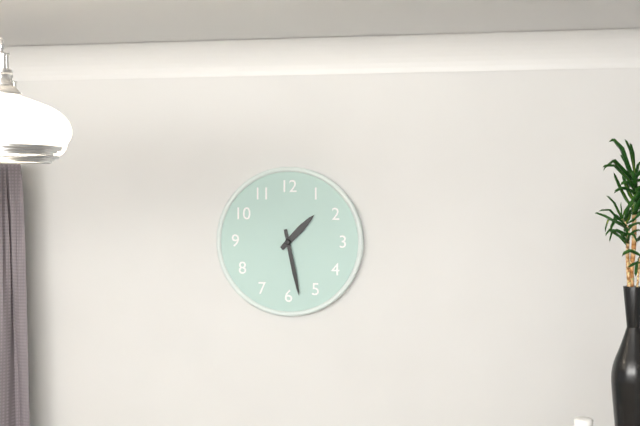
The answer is 1:28
